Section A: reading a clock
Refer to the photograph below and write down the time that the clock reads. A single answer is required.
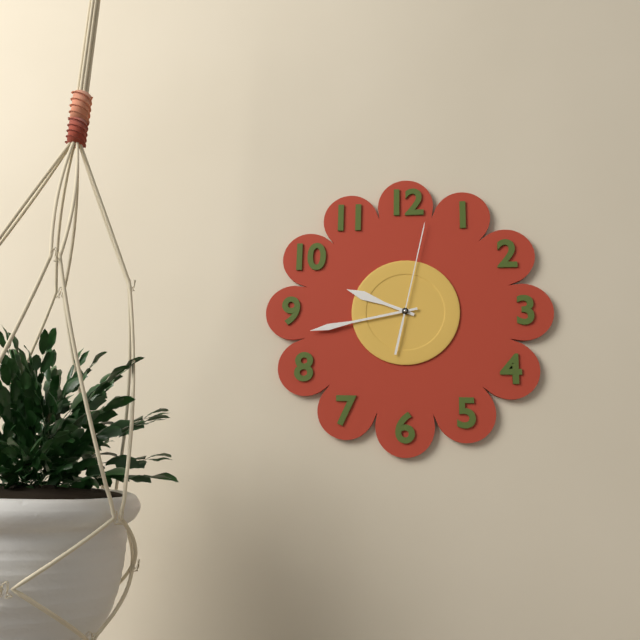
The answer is 9:43:02
